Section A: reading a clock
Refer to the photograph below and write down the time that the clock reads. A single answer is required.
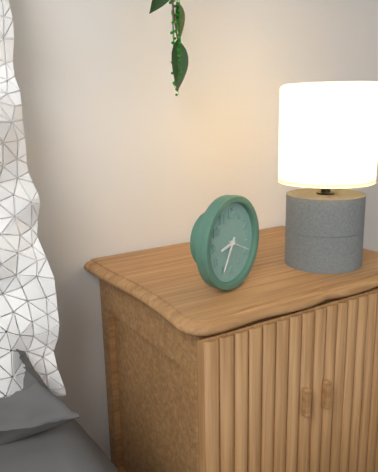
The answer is 8:35
